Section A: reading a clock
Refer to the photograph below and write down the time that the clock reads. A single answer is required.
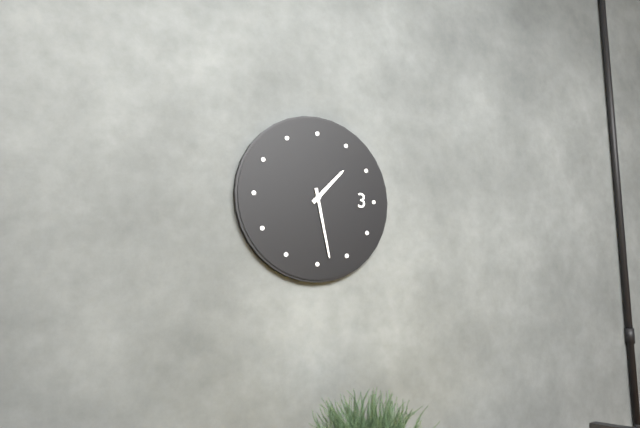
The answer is 1:28
